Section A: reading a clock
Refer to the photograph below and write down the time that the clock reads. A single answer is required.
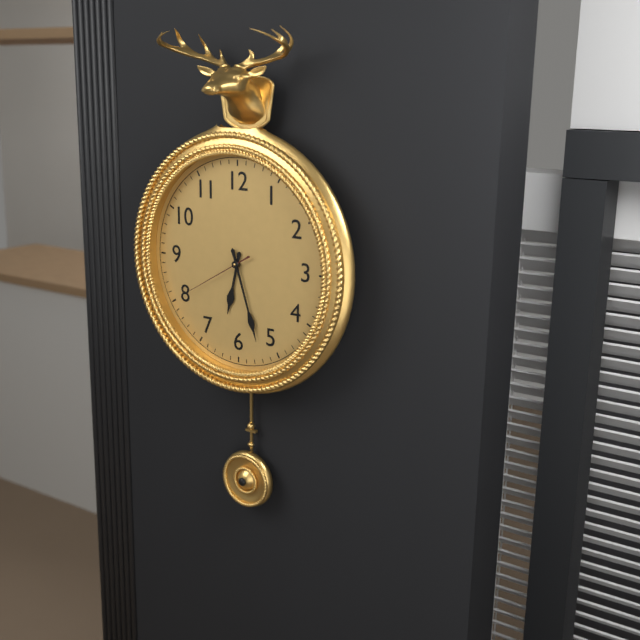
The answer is 6:27:40
